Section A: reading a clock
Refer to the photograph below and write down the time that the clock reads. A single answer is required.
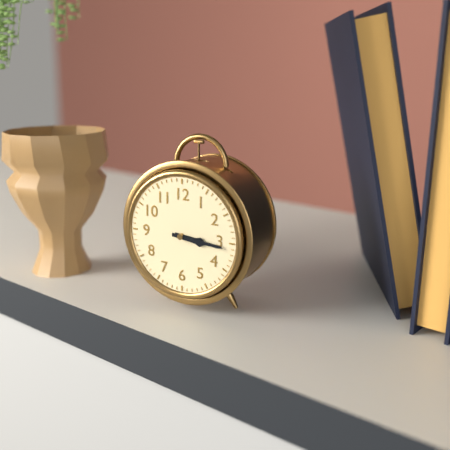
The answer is 3:16
